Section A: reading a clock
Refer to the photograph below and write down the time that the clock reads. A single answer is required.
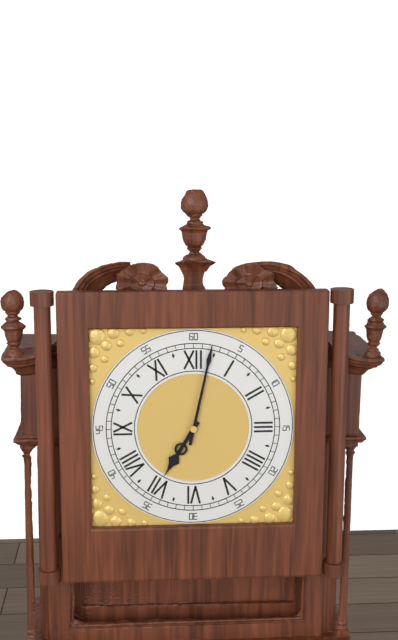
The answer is 7:02
